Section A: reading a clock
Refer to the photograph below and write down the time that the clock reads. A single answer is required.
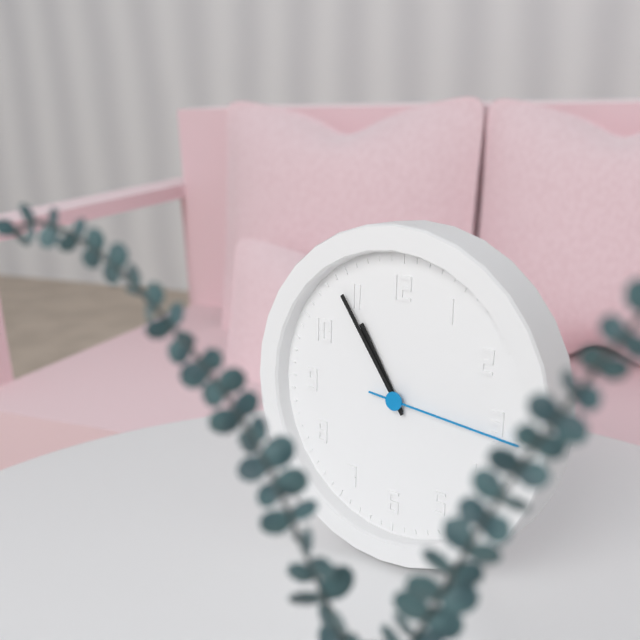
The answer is 10:54:16
